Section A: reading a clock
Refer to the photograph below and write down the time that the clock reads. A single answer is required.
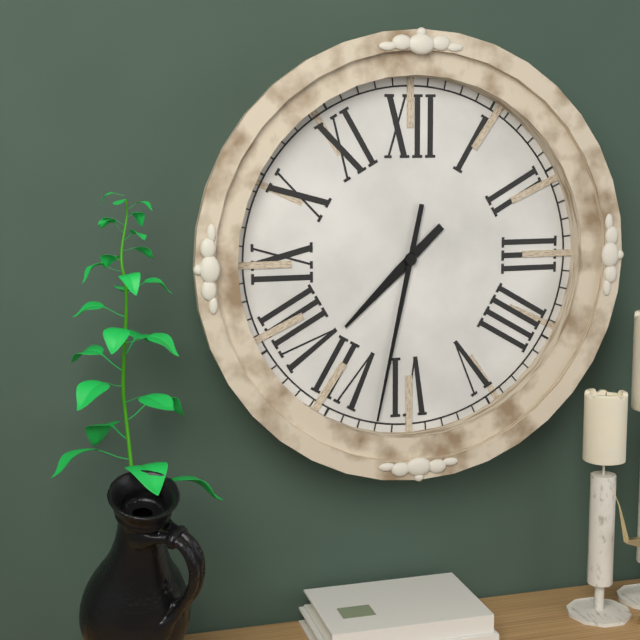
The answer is 7:32
